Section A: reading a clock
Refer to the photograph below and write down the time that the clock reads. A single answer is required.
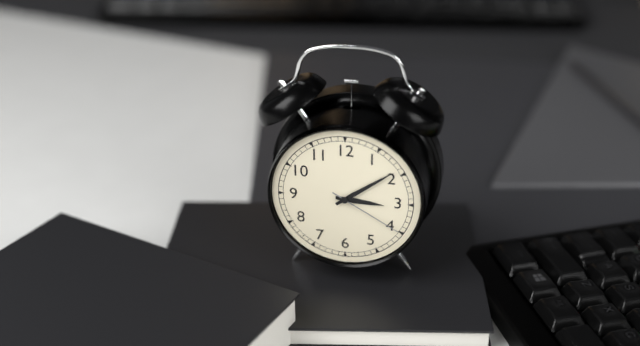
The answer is 3:09:20
